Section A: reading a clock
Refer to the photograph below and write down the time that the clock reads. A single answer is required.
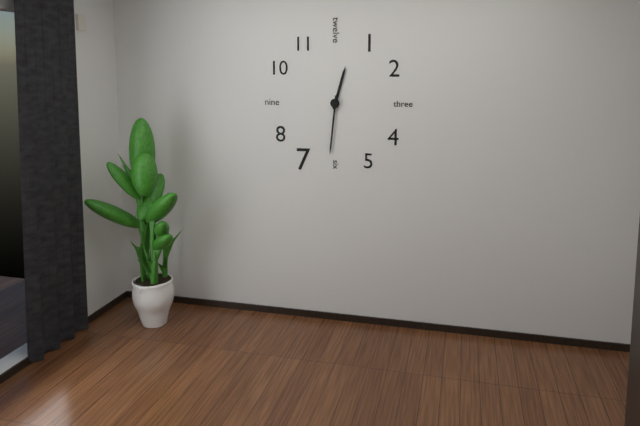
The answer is 12:31
